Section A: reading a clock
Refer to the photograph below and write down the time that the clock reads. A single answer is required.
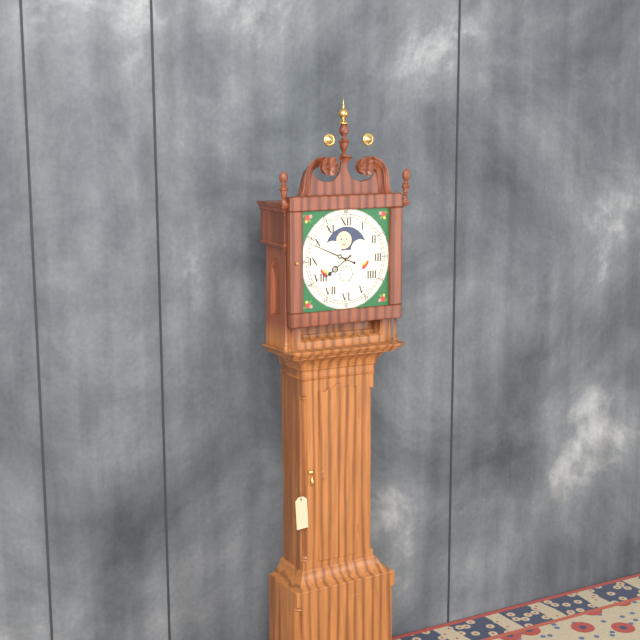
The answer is 7:49
